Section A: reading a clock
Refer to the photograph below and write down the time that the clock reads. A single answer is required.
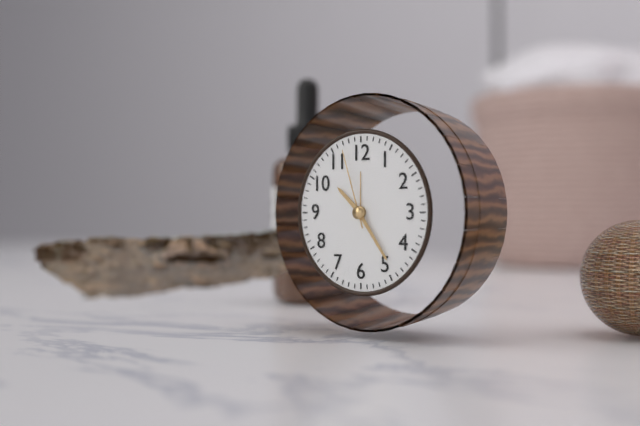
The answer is 10:24:57
